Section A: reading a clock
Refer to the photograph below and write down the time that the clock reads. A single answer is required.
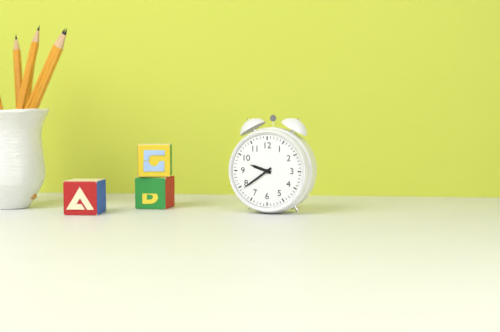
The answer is 9:39
